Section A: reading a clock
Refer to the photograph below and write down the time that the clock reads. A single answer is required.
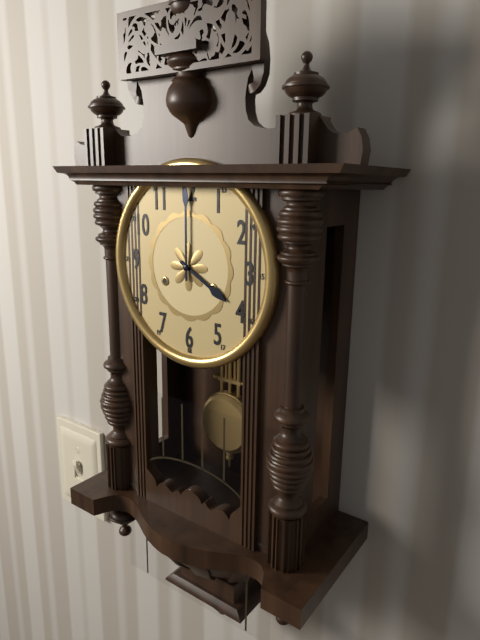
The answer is 4:00
